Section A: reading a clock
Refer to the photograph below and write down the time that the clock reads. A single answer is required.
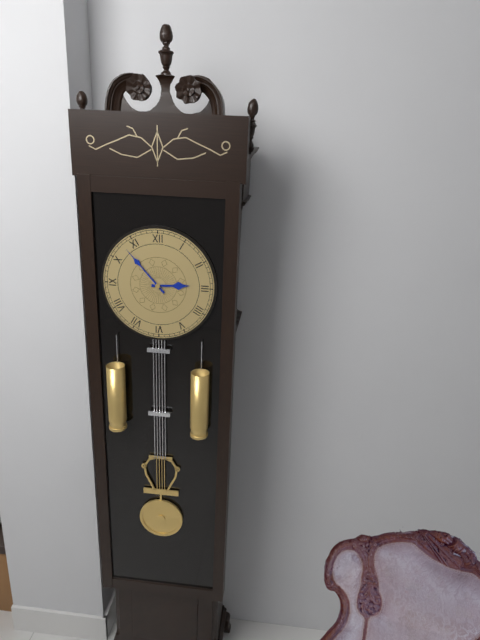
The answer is 2:53
